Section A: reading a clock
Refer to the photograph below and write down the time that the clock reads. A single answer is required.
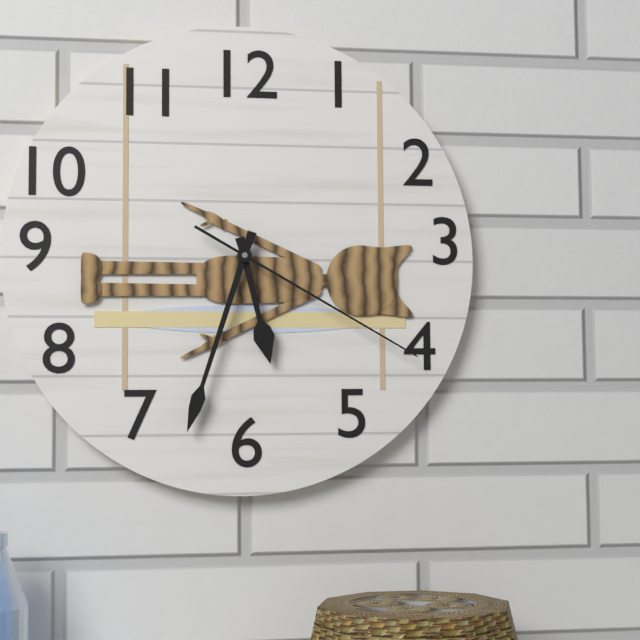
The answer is 5:33:20
